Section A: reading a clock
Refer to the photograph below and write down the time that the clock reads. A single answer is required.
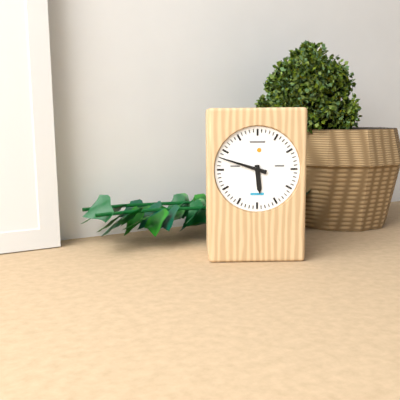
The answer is 5:48
